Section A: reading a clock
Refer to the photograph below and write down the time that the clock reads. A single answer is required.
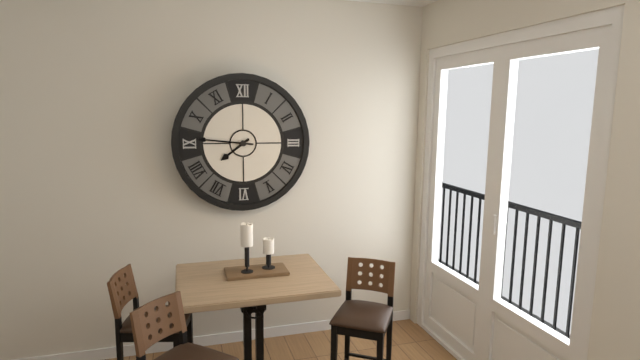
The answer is 7:46
